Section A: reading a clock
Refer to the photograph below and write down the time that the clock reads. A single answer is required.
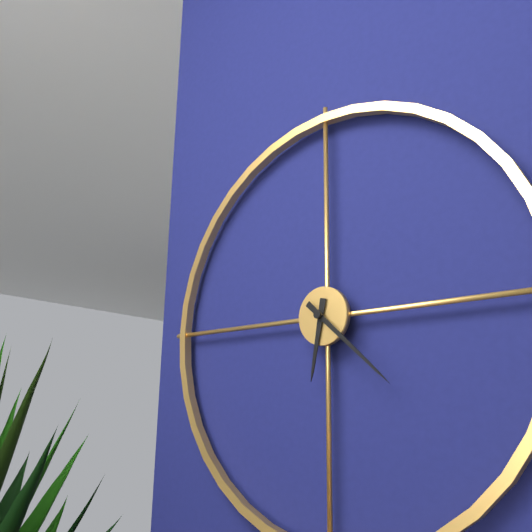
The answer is 6:22
